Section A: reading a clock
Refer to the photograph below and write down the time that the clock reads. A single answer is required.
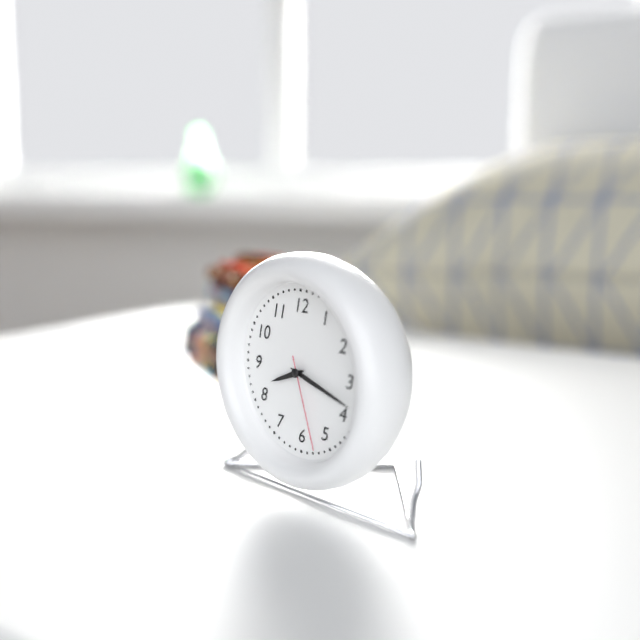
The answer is 8:18:27
